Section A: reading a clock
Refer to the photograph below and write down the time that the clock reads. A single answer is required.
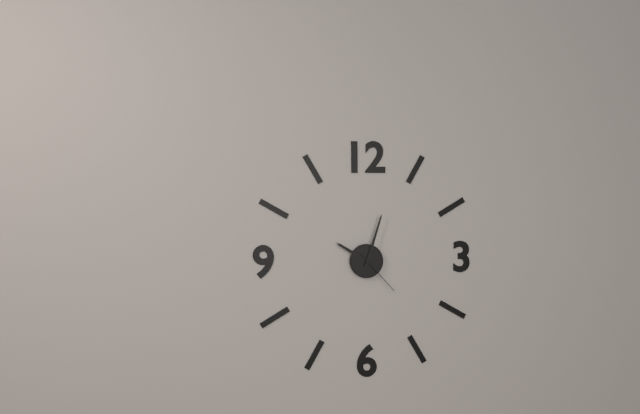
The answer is 10:03:23
